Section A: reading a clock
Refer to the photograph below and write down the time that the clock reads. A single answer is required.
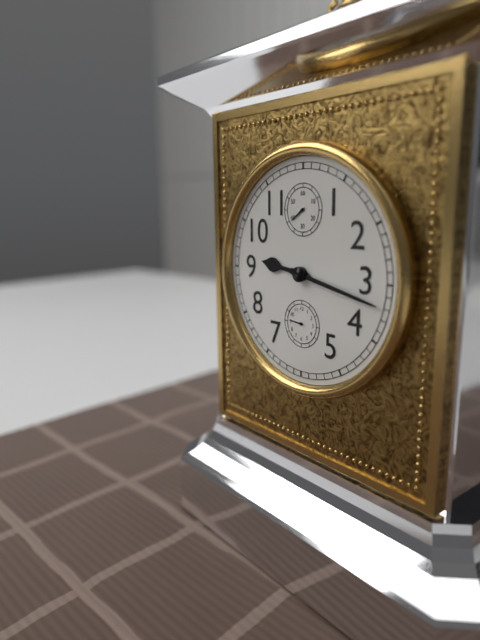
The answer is 9:17
